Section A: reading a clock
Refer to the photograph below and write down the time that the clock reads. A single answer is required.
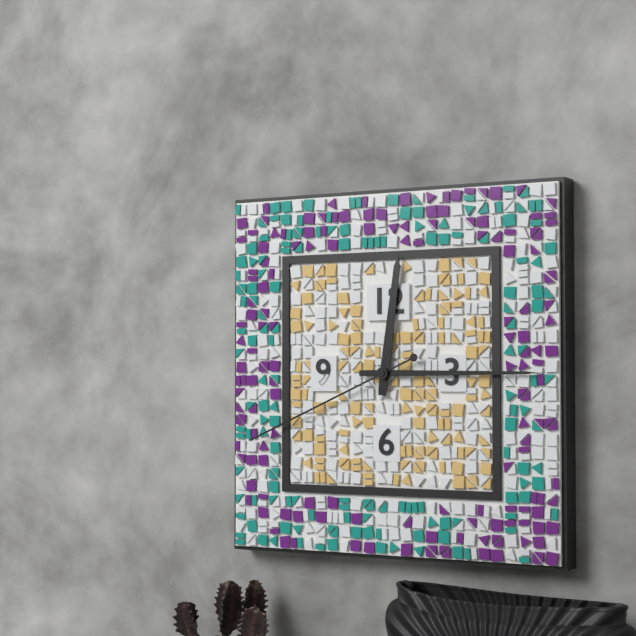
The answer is 12:15:41
